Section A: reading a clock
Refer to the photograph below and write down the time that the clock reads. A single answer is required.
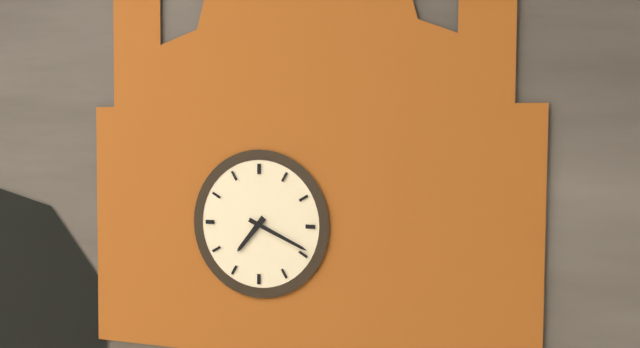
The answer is 7:19
